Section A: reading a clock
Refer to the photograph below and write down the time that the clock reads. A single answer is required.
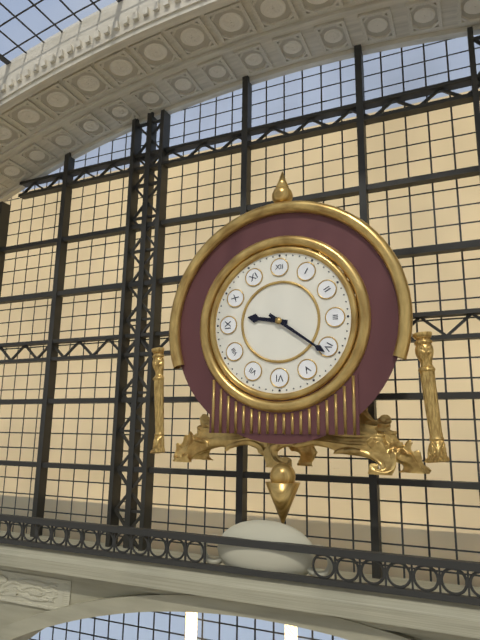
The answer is 9:21
